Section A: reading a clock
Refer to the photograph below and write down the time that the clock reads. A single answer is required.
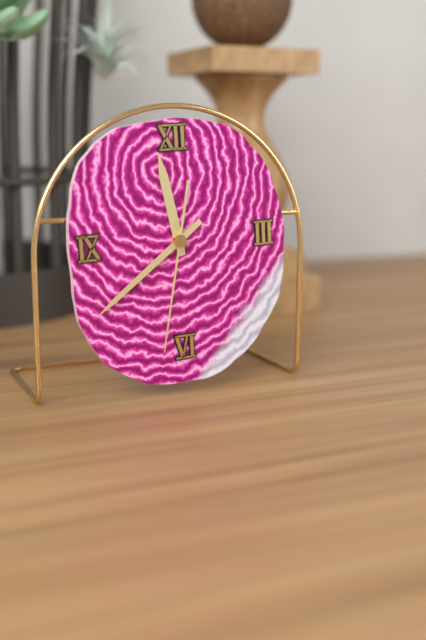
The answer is 11:39:32
